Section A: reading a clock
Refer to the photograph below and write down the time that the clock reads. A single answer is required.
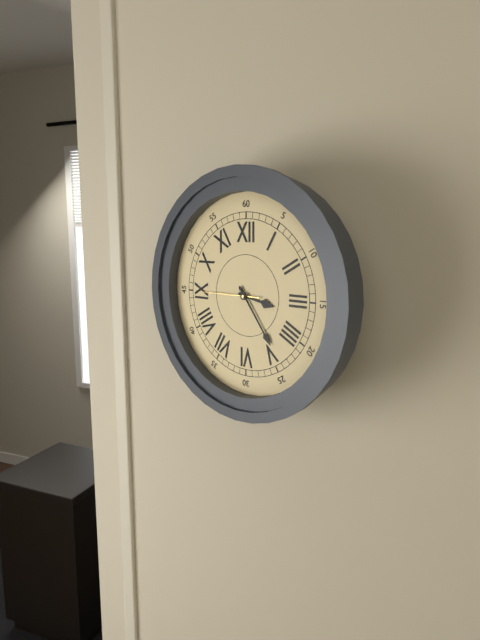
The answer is 3:24:45
